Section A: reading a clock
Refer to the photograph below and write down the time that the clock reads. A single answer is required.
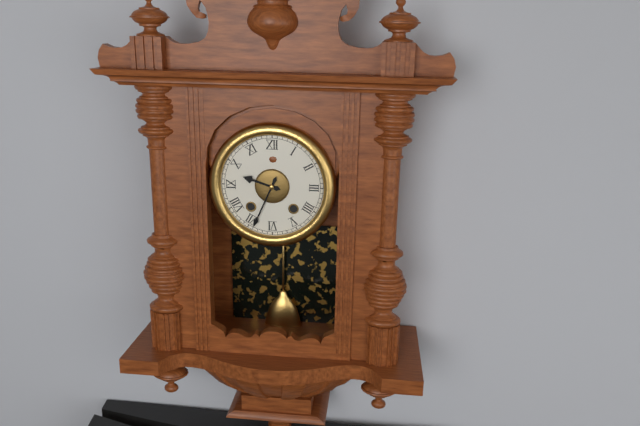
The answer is 9:34
